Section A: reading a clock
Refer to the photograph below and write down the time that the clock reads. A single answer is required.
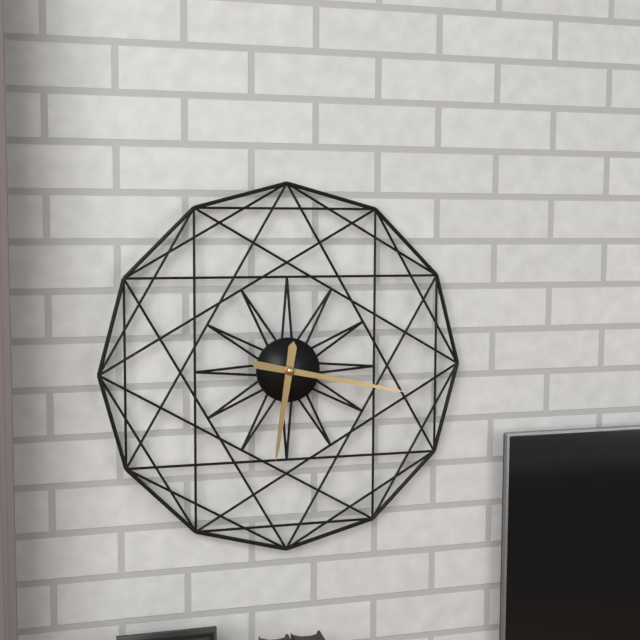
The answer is 6:17
